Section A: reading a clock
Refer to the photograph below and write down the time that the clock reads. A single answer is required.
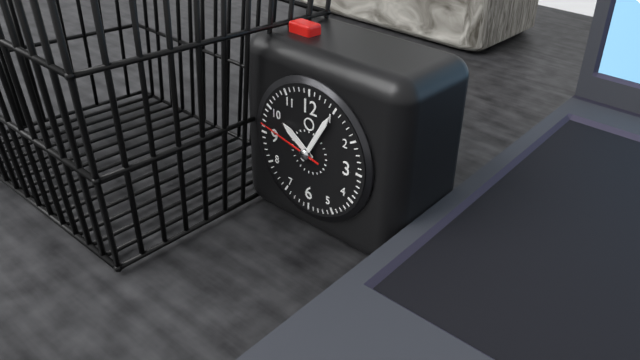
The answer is 10:05:47
